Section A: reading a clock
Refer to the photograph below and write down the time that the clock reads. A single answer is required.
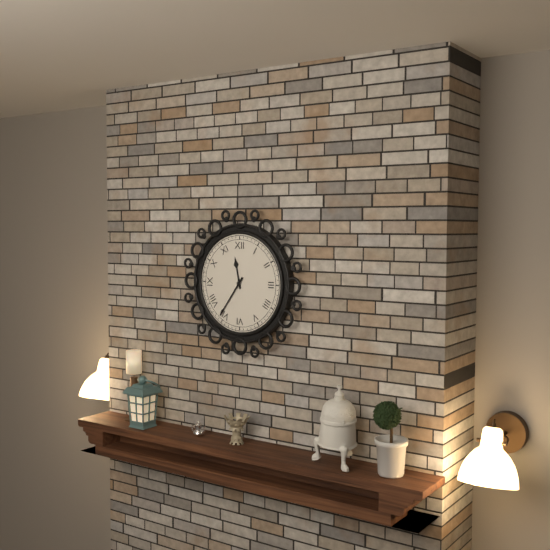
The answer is 11:36
